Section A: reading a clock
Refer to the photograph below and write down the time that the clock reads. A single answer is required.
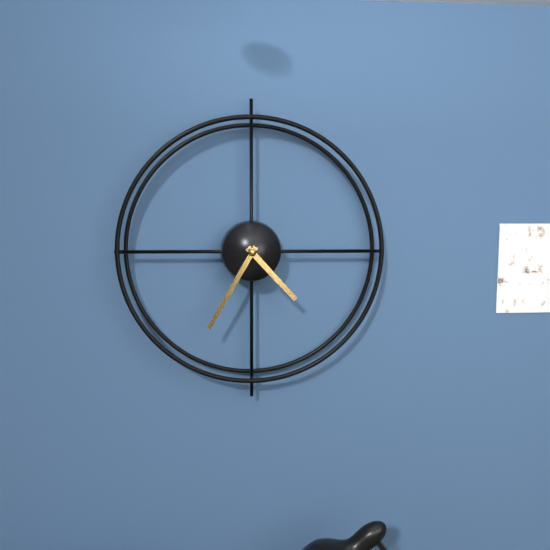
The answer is 4:35
